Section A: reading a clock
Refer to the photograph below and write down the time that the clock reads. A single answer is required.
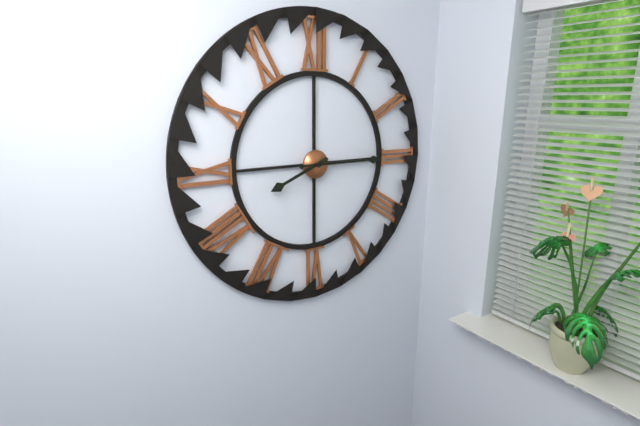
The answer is 8:15
